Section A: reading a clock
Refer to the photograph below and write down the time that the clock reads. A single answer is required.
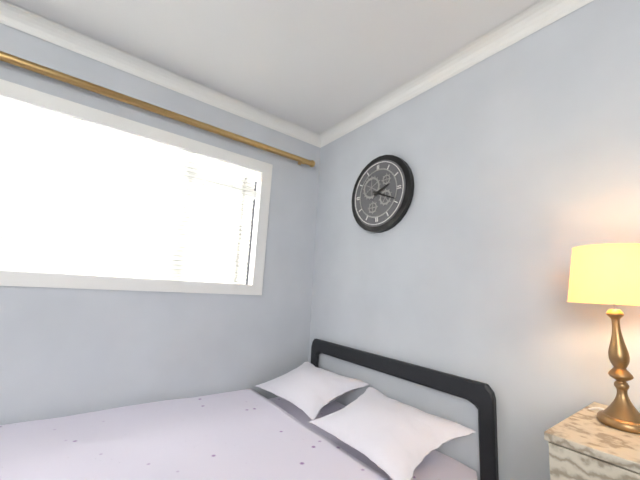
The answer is 2:19
